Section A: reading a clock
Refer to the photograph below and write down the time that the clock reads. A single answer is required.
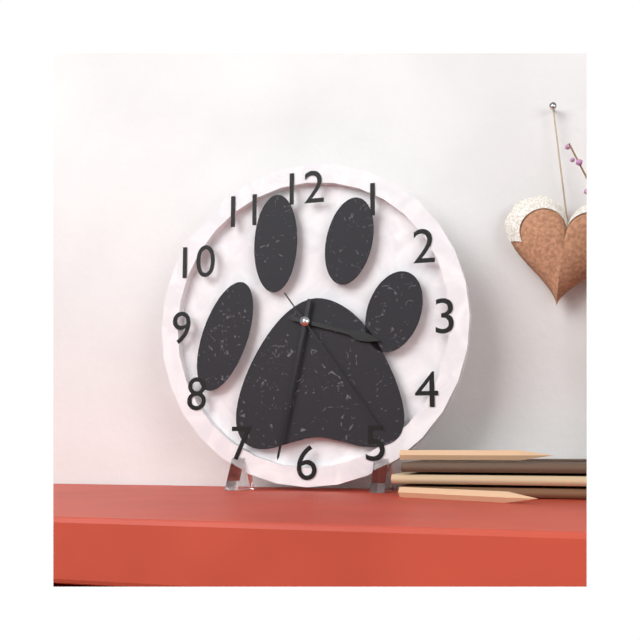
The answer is 3:32:24
